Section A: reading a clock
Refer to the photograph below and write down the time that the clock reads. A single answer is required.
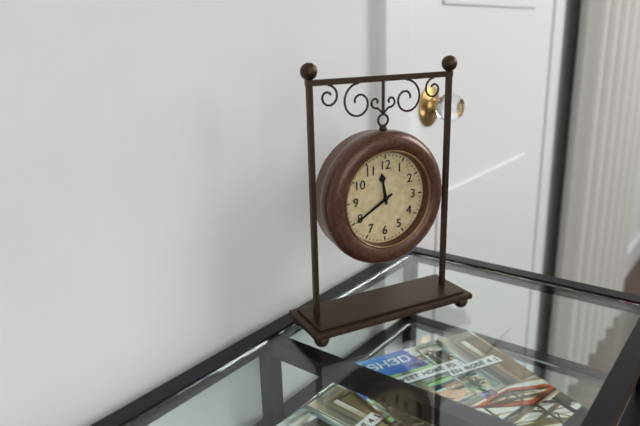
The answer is 11:40
